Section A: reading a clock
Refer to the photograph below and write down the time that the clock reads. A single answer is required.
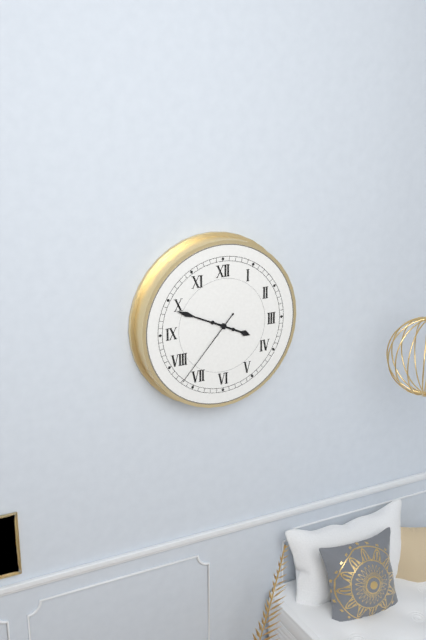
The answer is 3:49:37
